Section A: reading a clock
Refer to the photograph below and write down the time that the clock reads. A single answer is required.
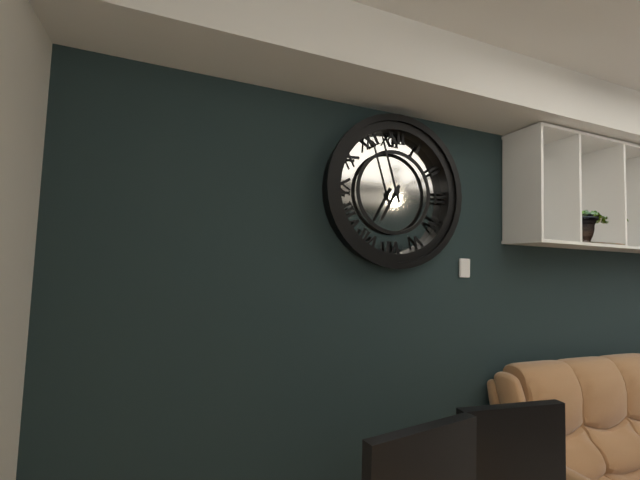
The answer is 6:57
